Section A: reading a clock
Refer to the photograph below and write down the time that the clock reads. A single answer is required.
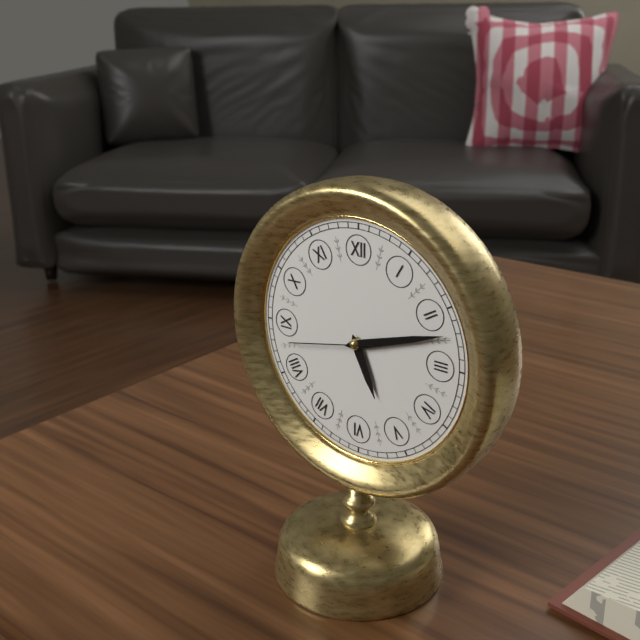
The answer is 5:12:43
